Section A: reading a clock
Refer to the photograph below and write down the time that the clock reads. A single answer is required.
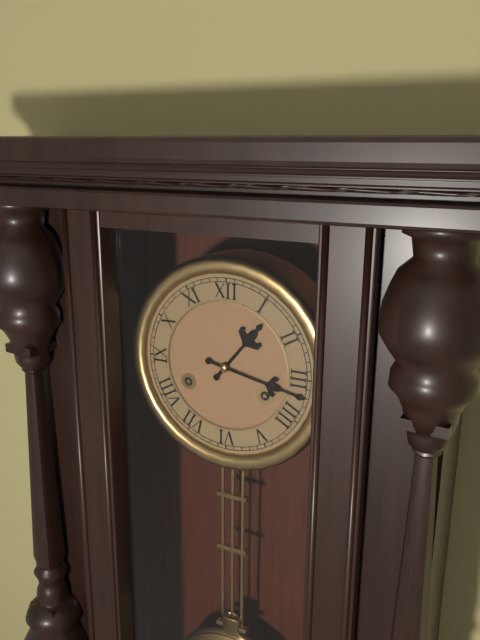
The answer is 1:17
